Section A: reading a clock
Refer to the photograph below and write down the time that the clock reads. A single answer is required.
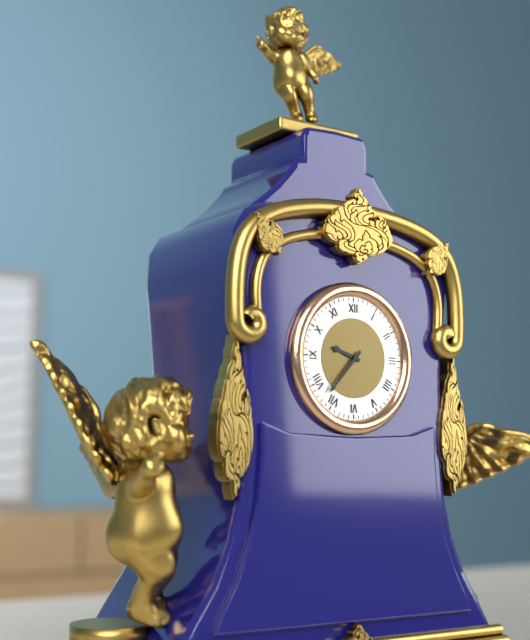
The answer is 9:37
